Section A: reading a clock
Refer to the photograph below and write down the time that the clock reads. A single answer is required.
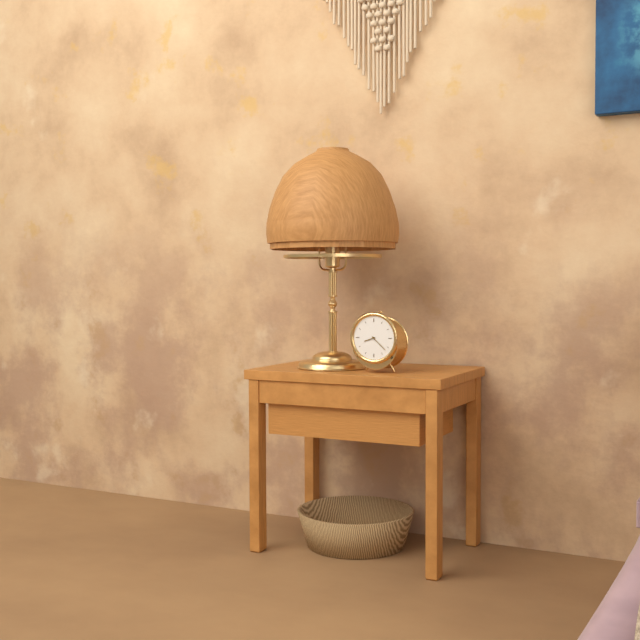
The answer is 8:22
